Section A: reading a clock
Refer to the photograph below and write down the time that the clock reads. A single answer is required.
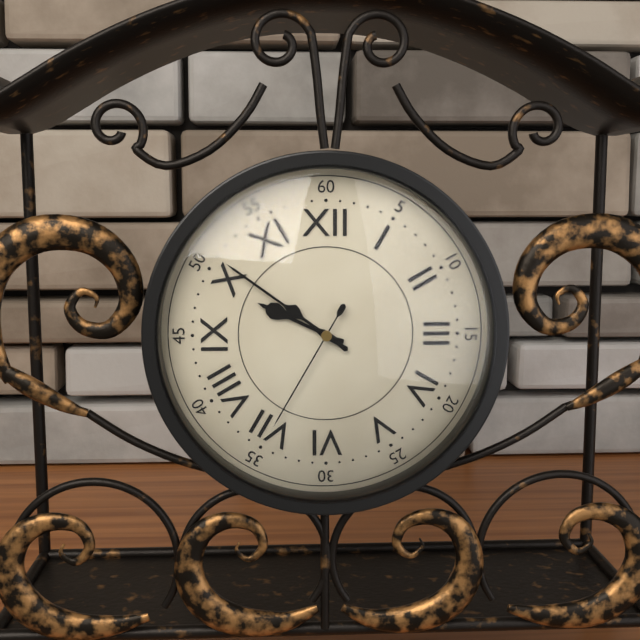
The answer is 9:51:35
